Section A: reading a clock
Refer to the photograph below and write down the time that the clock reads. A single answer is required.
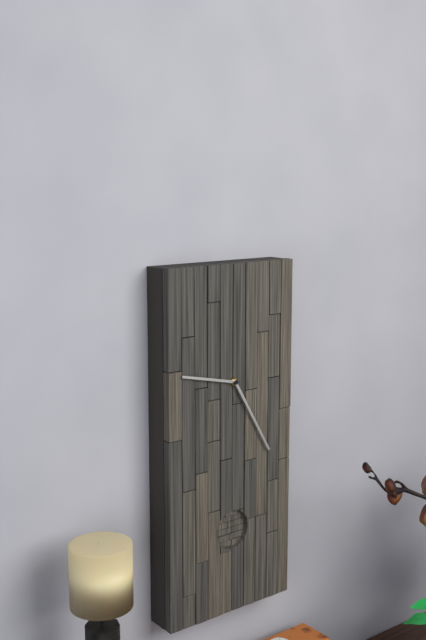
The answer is 9:25
